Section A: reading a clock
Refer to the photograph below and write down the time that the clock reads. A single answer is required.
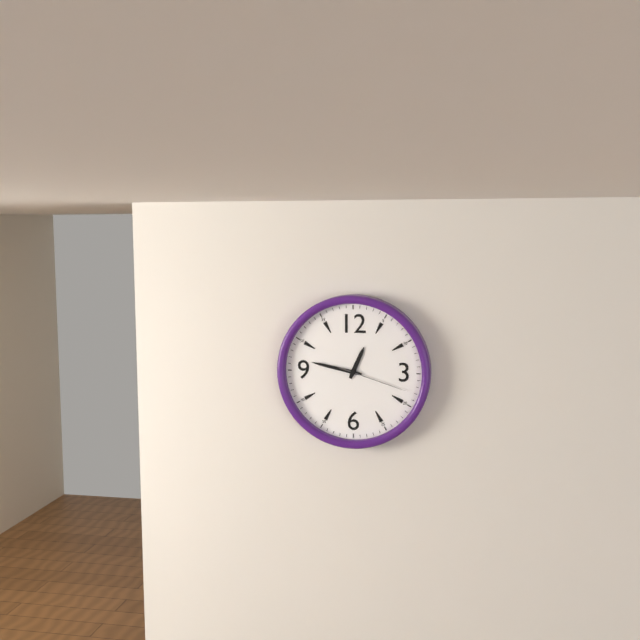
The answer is 12:47:18
